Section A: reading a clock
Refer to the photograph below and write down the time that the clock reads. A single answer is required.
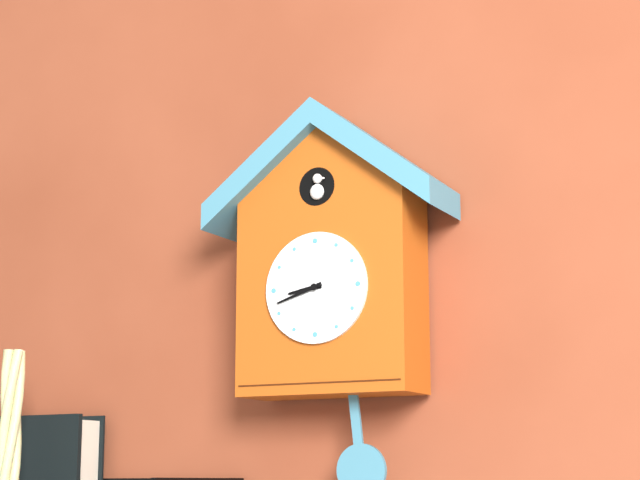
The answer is 8:42
